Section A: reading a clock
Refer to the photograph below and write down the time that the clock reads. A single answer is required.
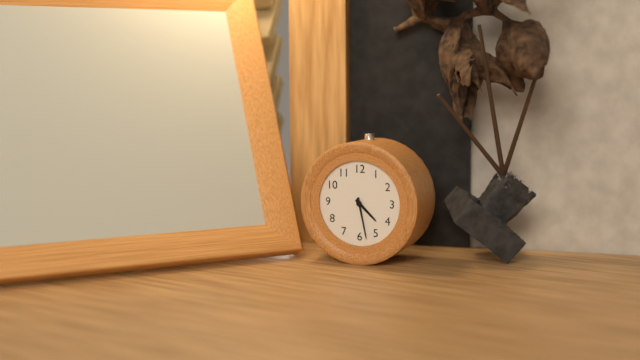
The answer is 4:28
